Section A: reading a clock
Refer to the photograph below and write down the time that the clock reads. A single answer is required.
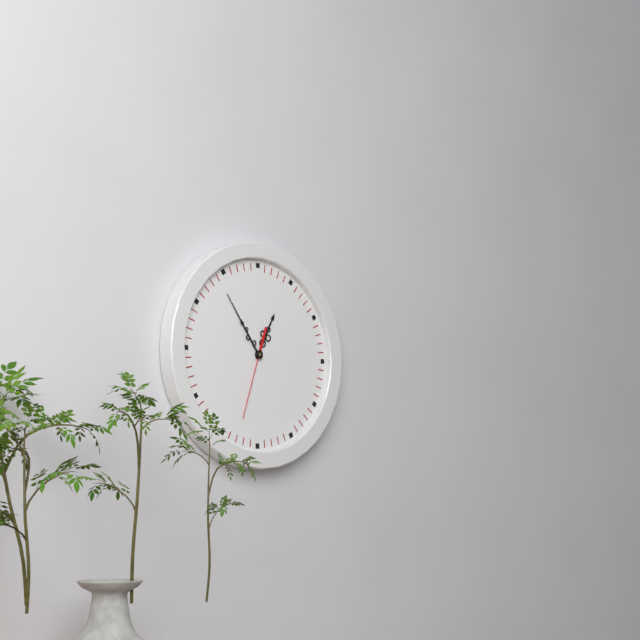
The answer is 12:54:33
